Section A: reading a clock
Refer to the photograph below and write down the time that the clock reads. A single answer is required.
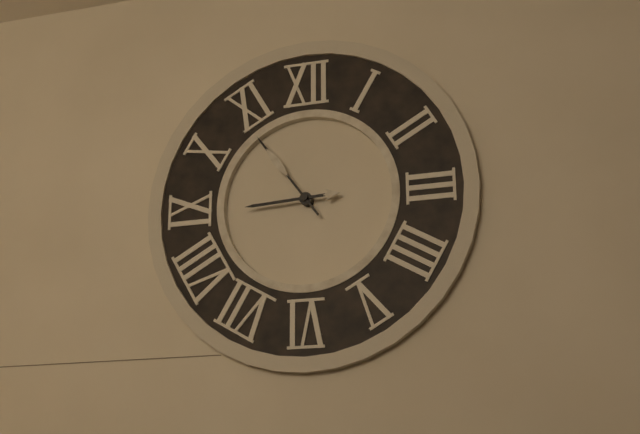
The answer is 8:54
